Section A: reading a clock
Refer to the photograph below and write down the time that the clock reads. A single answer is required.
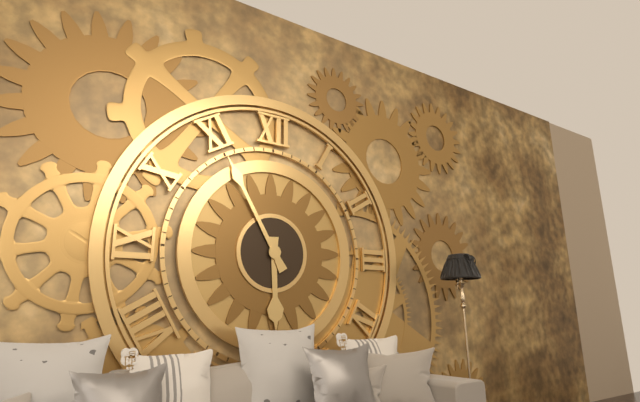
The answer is 5:55
